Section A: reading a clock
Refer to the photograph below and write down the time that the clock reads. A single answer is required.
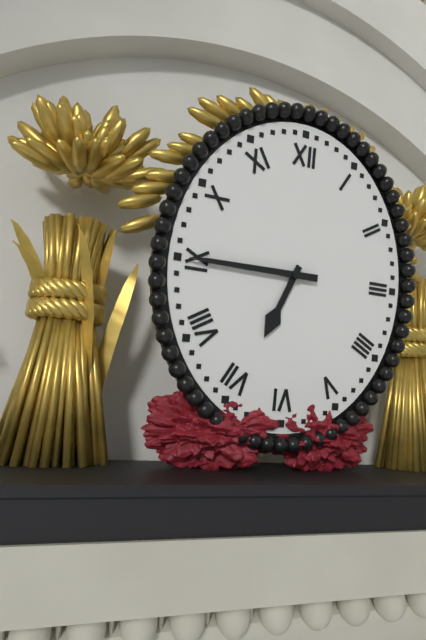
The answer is 6:45
